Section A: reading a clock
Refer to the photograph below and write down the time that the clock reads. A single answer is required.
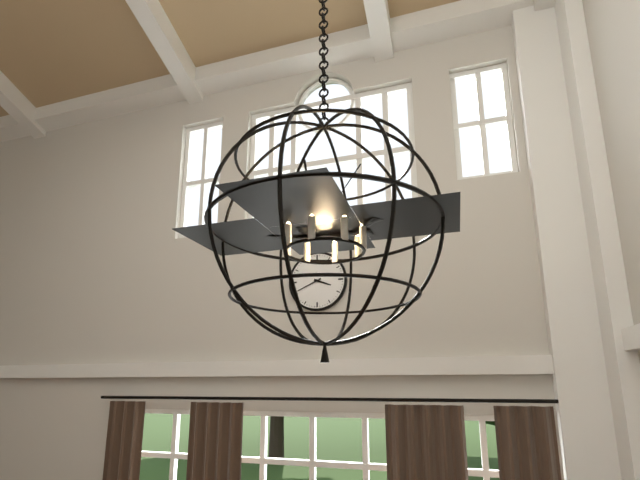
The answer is 3:41
